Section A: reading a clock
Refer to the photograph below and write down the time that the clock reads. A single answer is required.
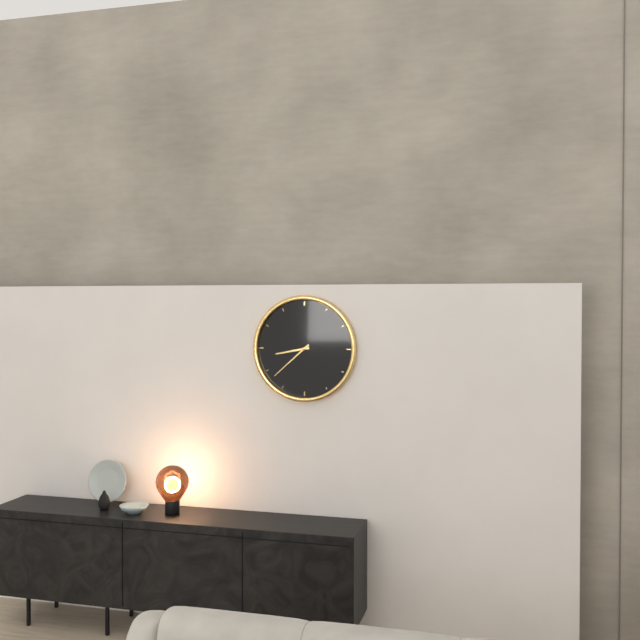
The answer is 8:38
